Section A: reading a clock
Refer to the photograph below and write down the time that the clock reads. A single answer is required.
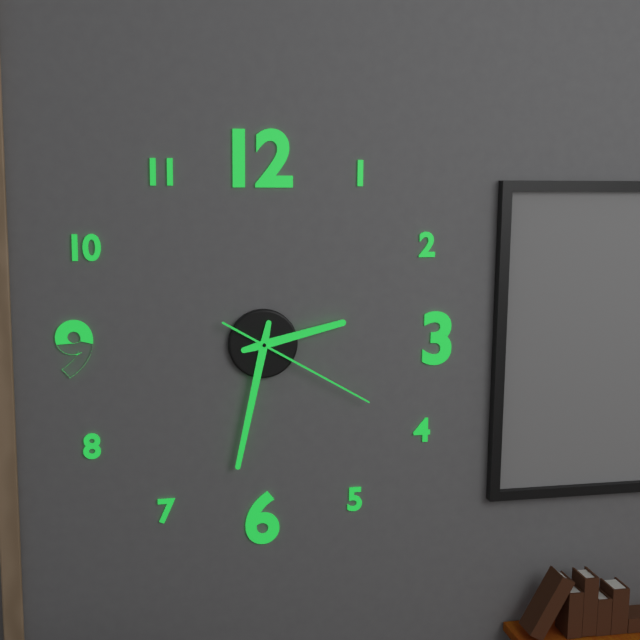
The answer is 2:32:20
